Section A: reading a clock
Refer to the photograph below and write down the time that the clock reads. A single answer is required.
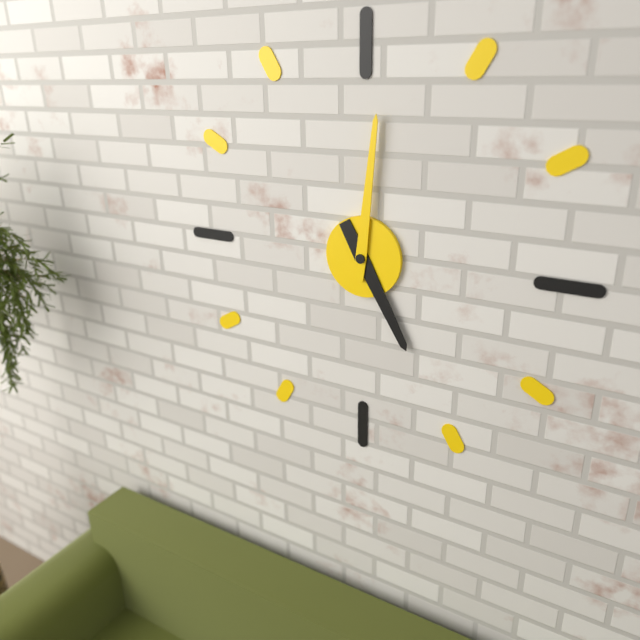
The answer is 5:01
